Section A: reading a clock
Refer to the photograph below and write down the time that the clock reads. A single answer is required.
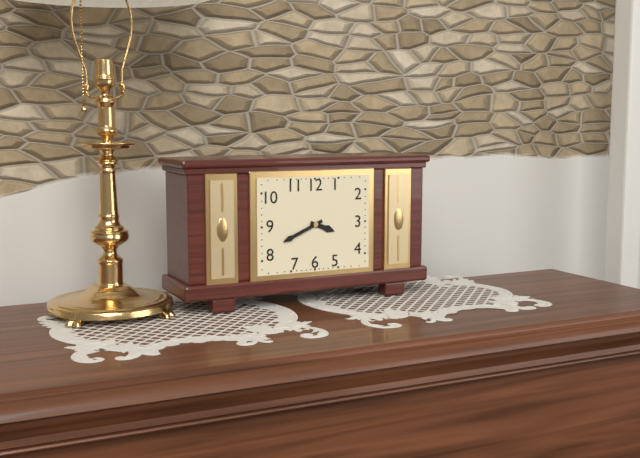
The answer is 3:41
